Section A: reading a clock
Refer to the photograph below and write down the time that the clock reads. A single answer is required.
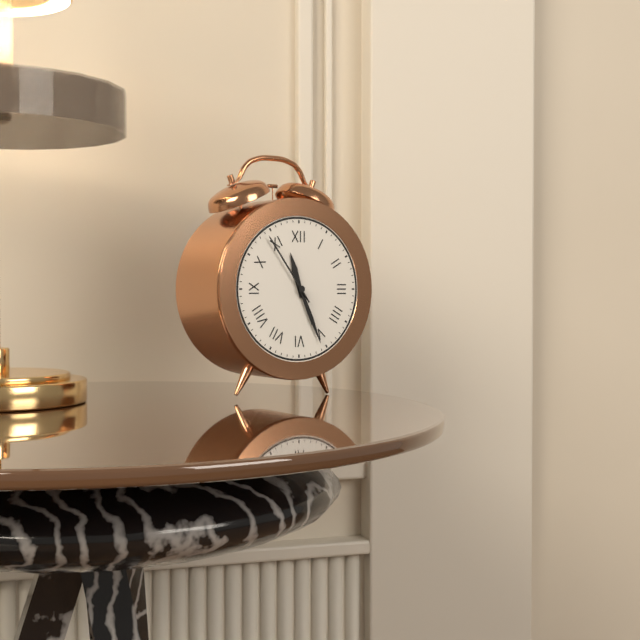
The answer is 11:26:54
